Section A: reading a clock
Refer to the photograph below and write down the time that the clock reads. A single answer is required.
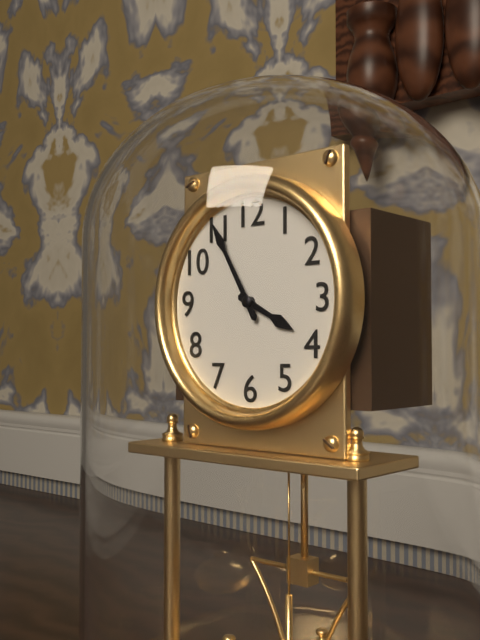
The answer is 3:55
